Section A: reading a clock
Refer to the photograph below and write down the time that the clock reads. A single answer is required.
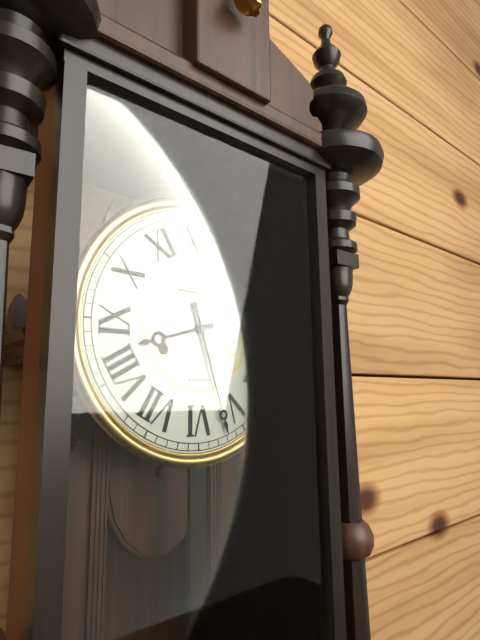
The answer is 8:27
